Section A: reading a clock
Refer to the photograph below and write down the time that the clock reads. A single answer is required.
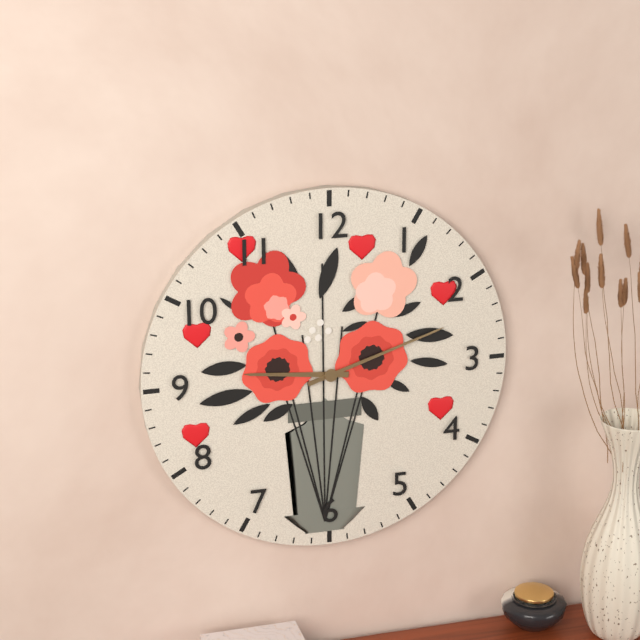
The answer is 9:12
